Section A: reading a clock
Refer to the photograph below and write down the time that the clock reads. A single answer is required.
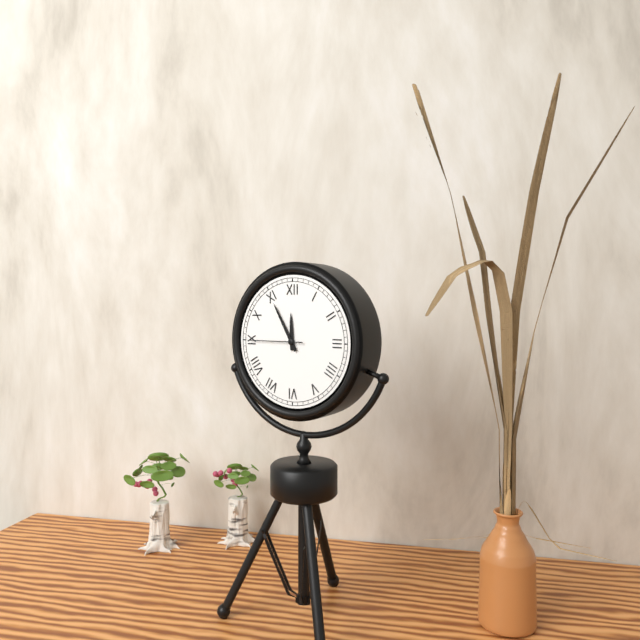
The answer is 11:55:45
